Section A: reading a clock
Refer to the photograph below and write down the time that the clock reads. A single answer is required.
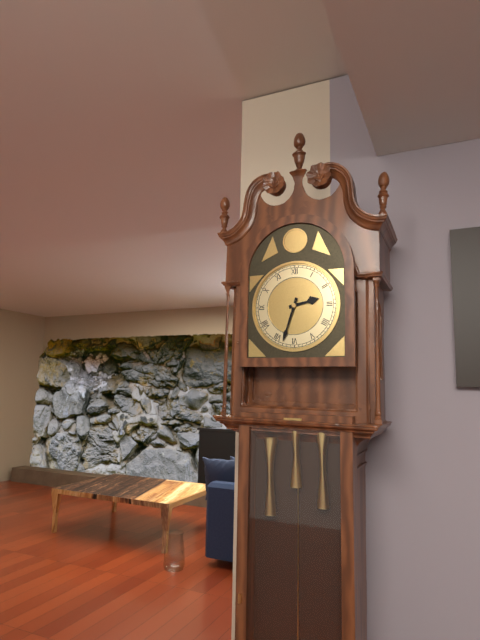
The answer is 2:33
